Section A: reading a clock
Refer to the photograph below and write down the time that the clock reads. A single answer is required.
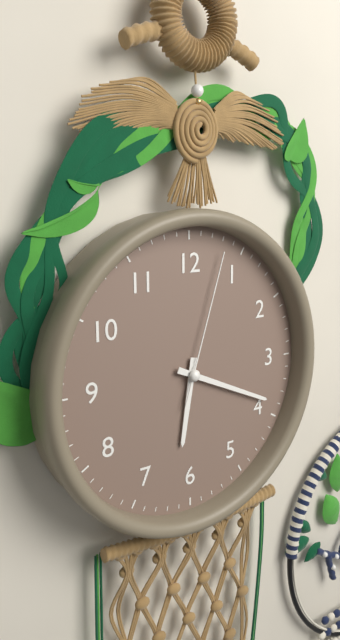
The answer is 6:19:03
